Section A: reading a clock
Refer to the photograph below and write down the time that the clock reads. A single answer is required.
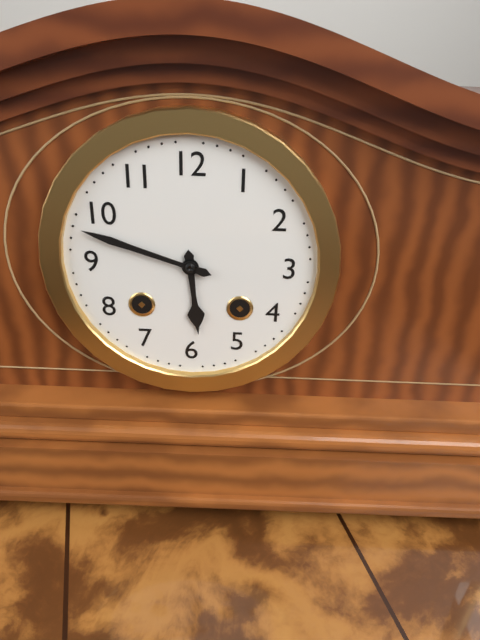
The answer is 5:48
